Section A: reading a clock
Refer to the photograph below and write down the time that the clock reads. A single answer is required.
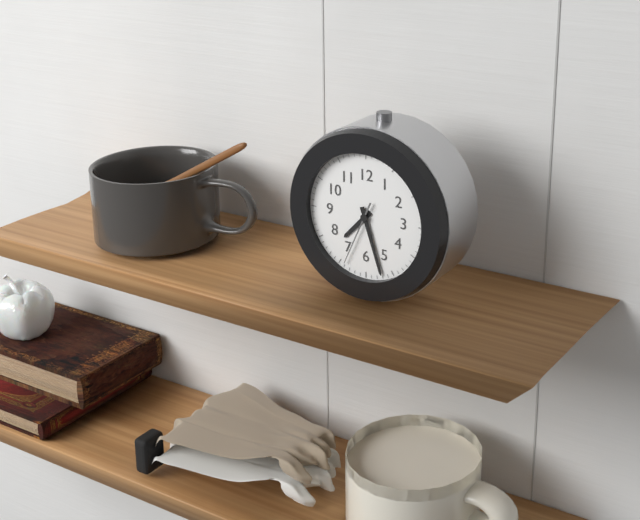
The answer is 7:27:34
